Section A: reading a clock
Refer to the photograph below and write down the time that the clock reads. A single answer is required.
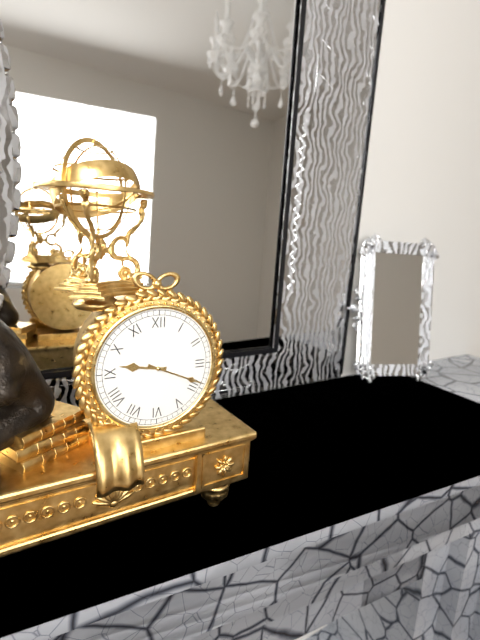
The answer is 9:19
